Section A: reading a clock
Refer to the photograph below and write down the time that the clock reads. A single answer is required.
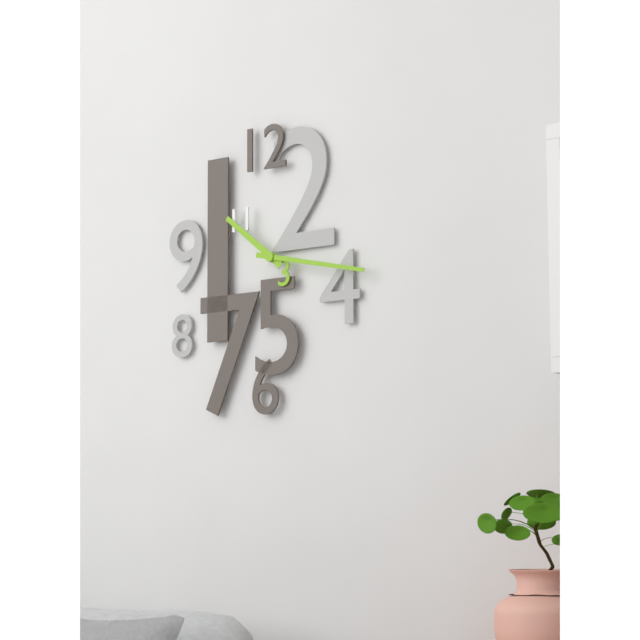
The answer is 10:17
